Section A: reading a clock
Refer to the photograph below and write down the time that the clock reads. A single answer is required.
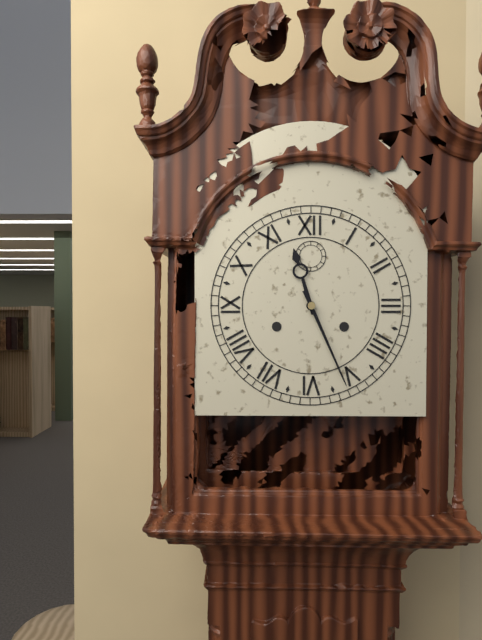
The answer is 11:26
